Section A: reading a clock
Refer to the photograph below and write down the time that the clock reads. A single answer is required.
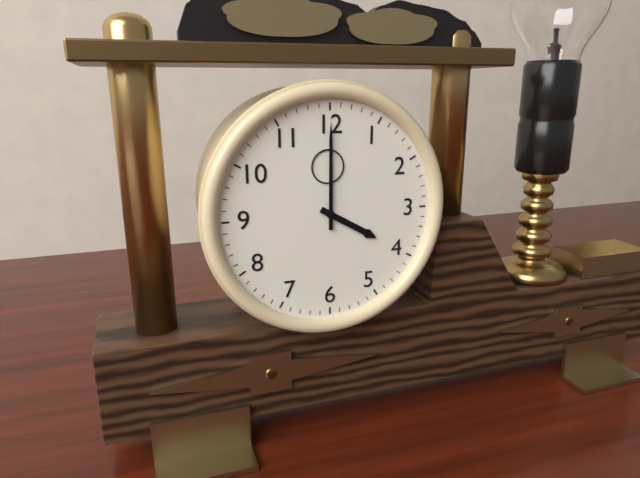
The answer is 4:00
